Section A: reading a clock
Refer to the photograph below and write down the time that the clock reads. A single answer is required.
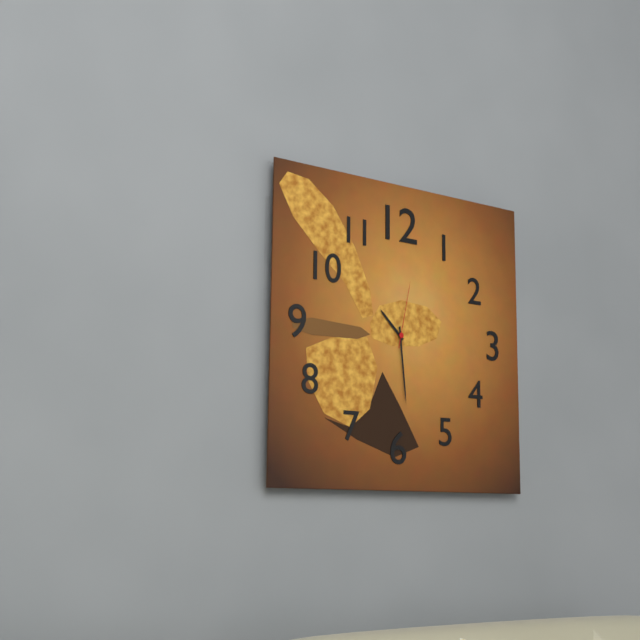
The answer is 10:29:02
